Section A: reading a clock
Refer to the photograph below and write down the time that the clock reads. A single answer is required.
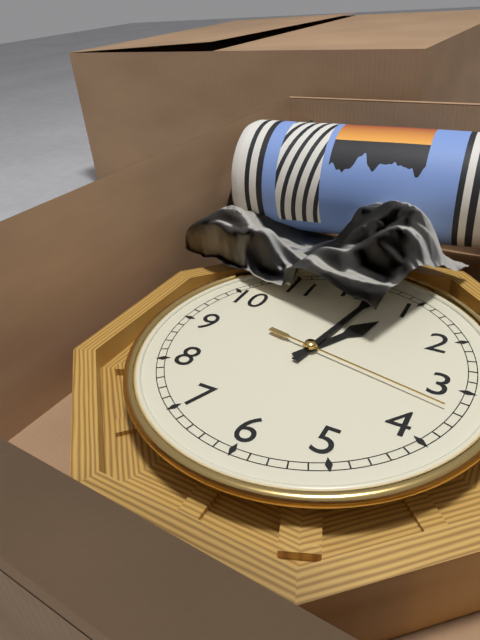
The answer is 1:02:17
